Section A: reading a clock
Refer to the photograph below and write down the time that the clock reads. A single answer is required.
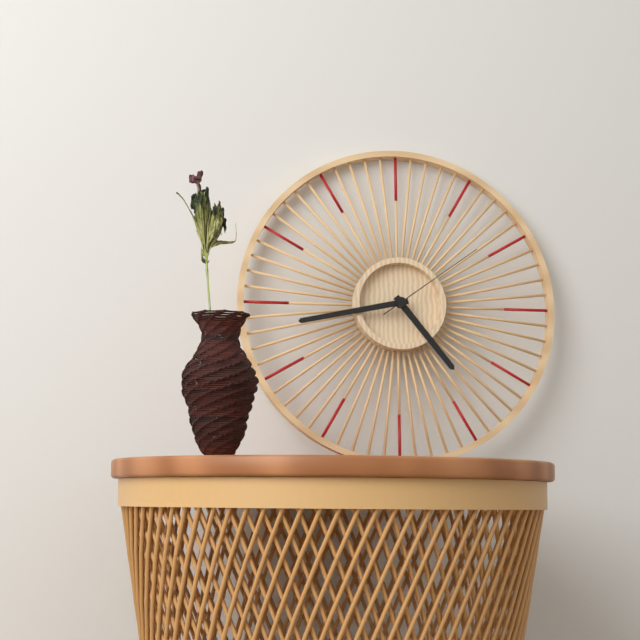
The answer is 4:43:09
